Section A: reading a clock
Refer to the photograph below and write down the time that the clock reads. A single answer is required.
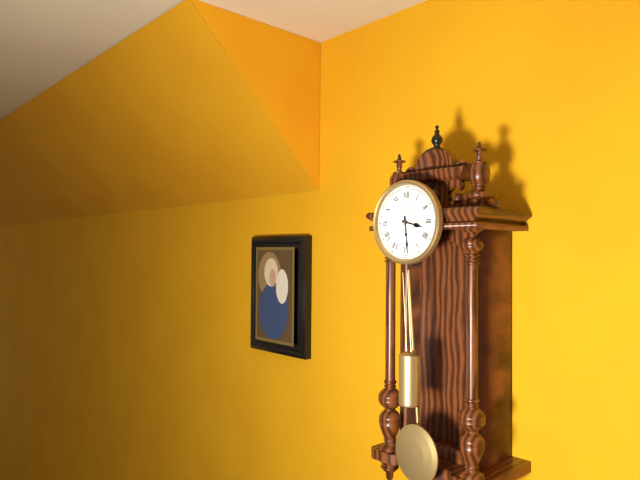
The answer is 3:29
